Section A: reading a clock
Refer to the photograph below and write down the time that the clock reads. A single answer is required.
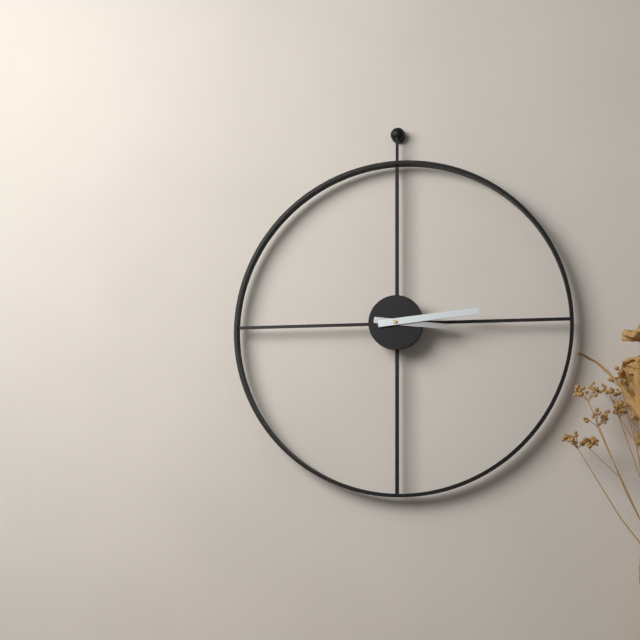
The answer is 3:14
